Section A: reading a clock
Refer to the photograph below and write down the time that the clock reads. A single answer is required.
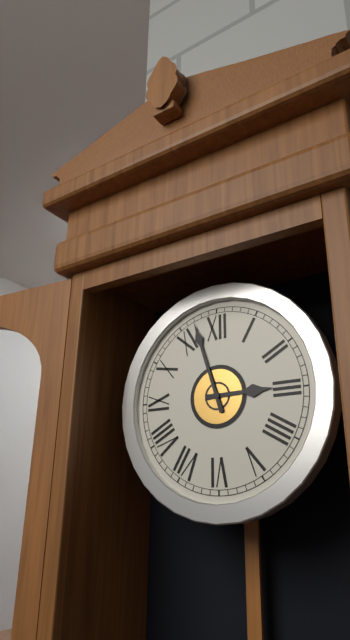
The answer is 2:57
